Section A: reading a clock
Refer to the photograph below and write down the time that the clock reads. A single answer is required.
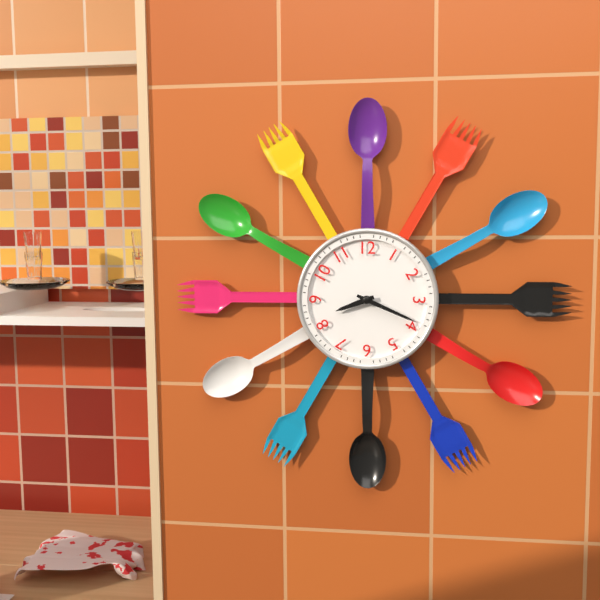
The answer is 8:19
